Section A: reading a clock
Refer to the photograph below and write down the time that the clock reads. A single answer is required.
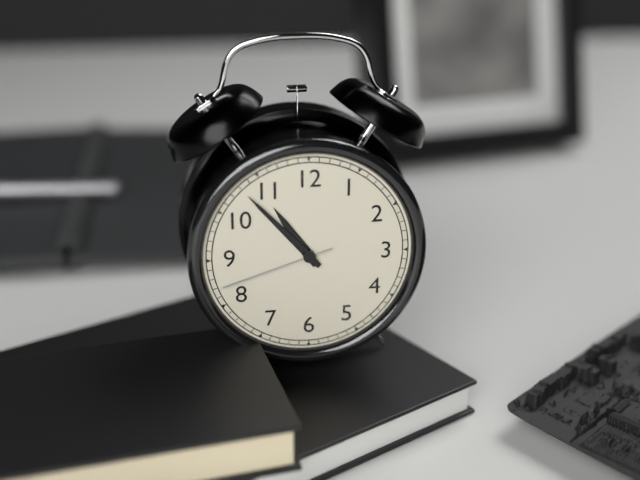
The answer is 10:53:42
